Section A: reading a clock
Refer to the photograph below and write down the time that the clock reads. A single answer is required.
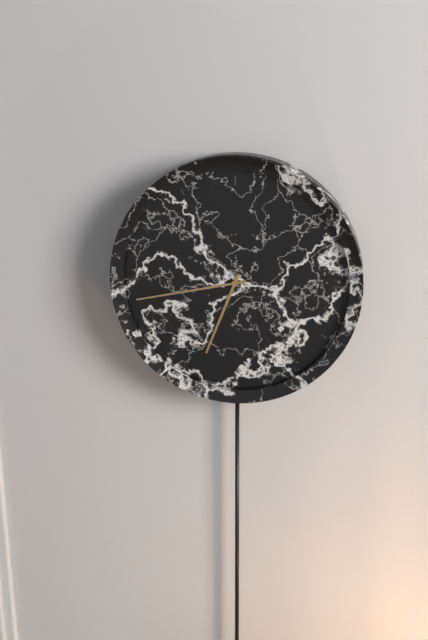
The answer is 6:43
